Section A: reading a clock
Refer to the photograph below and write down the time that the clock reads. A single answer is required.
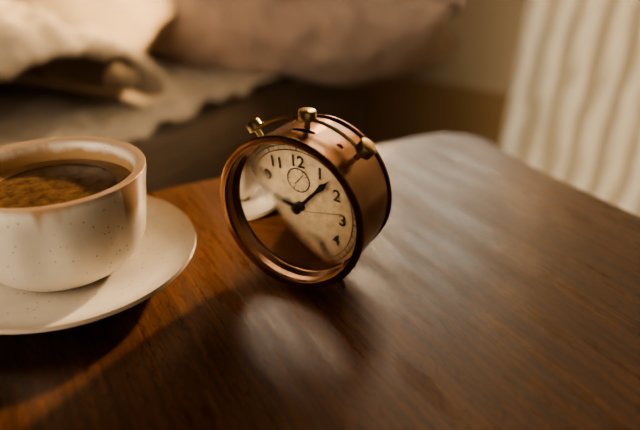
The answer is 9:07:13
